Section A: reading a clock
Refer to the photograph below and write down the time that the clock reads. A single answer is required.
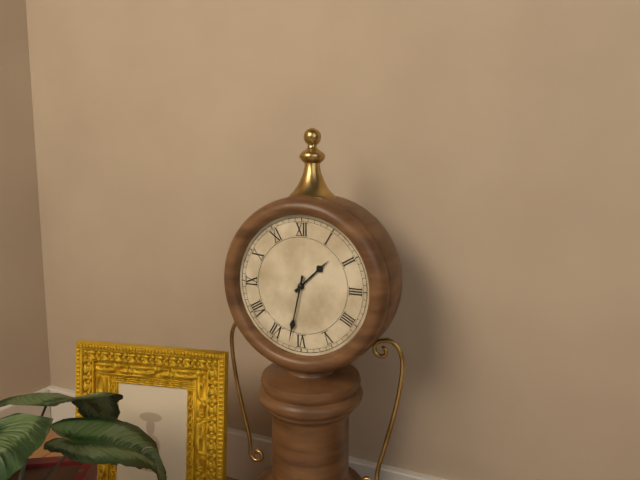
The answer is 1:32
